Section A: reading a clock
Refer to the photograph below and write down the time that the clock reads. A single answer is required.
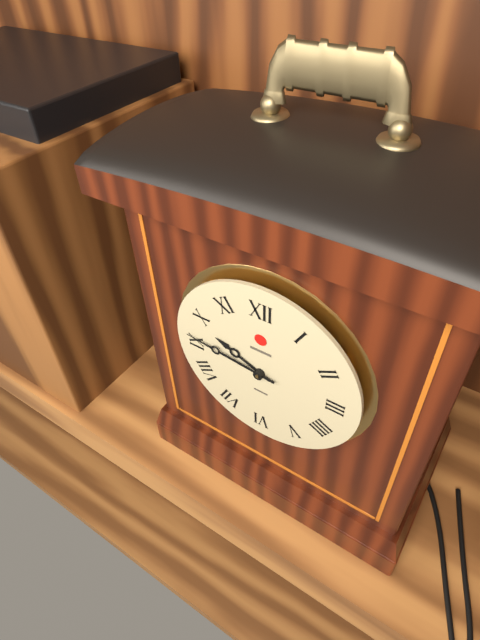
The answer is 9:46
